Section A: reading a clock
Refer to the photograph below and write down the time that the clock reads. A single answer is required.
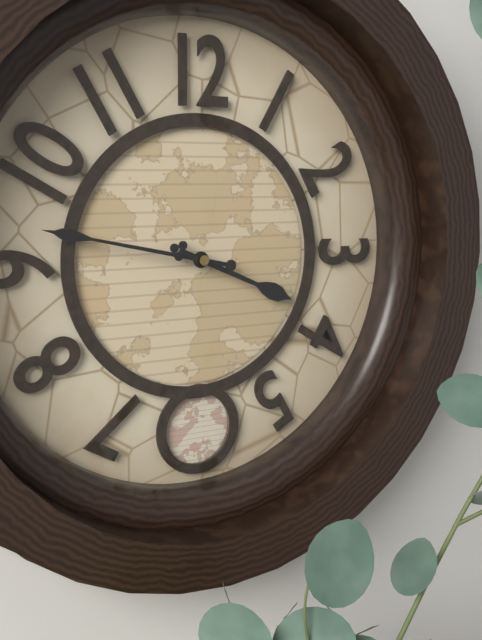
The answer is 3:47
